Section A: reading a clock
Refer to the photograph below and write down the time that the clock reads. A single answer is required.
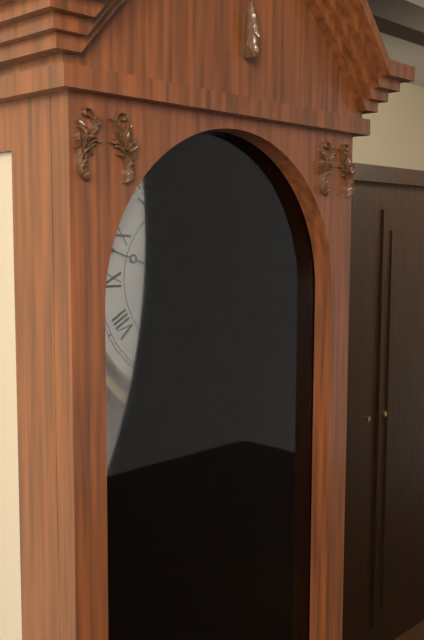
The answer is 6:48
